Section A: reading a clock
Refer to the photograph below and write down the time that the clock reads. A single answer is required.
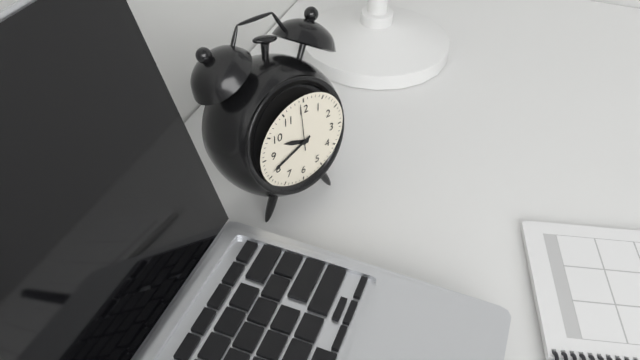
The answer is 9:41
